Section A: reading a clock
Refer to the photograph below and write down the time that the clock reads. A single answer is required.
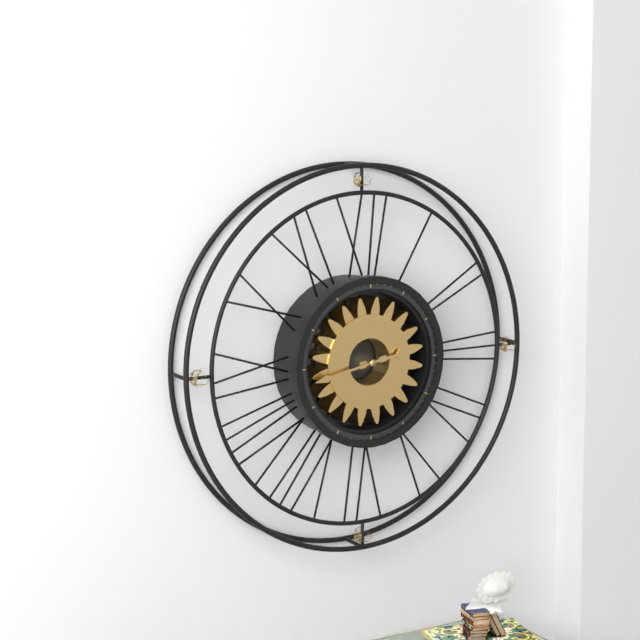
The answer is 2:43
